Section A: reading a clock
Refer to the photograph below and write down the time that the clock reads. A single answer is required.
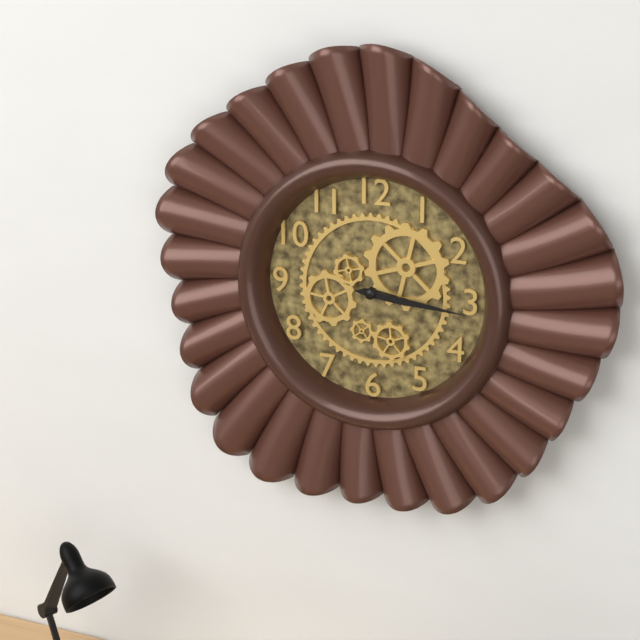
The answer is 3:16
